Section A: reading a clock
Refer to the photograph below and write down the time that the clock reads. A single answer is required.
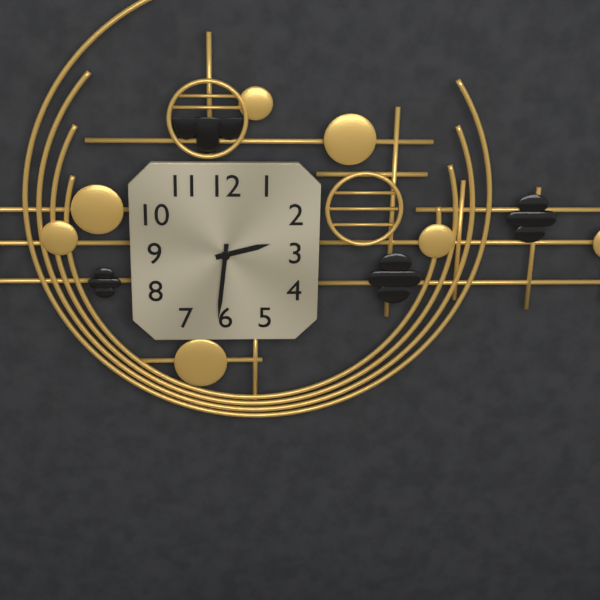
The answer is 2:31
